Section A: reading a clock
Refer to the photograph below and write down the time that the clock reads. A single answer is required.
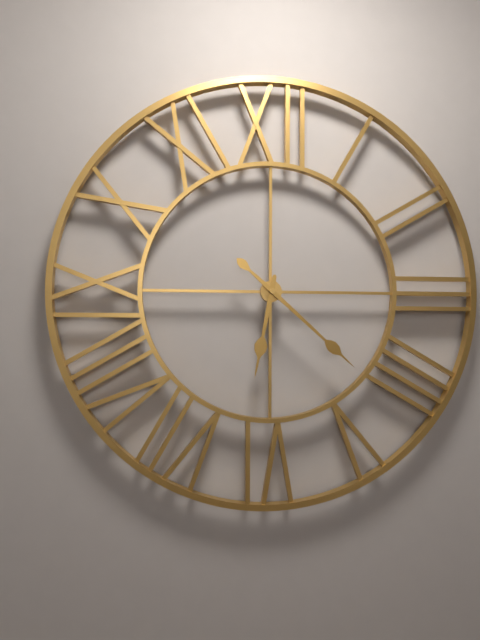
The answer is 6:22
